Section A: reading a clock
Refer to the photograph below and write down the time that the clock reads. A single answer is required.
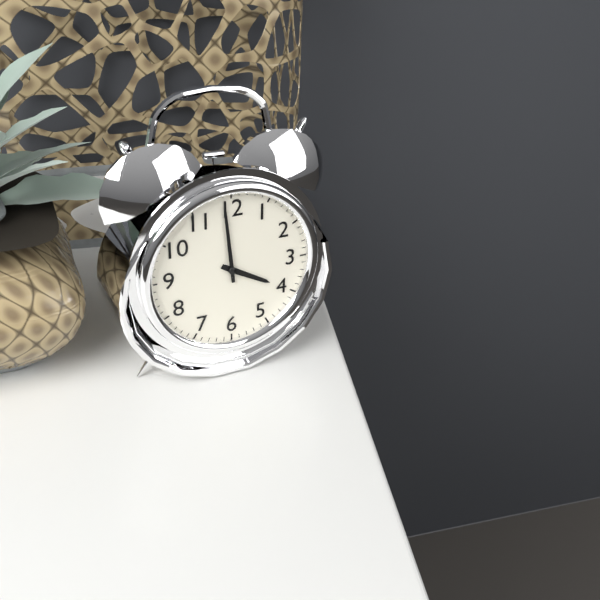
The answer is 3:59
